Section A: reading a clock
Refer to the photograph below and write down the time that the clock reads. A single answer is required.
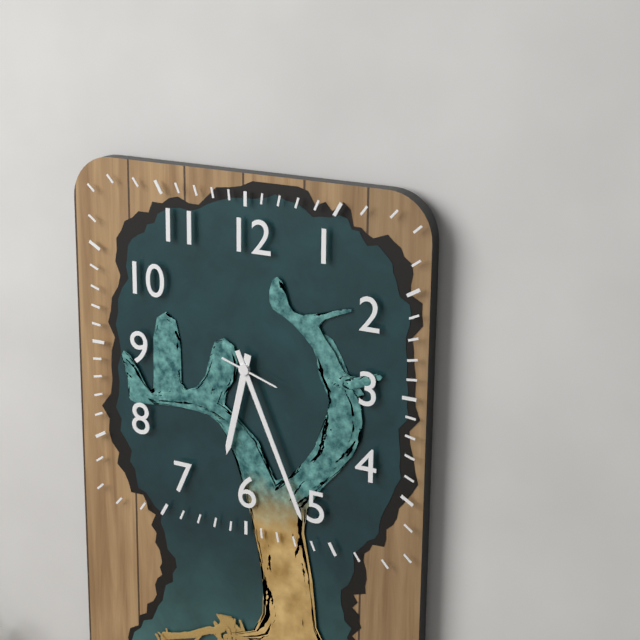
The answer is 6:26
